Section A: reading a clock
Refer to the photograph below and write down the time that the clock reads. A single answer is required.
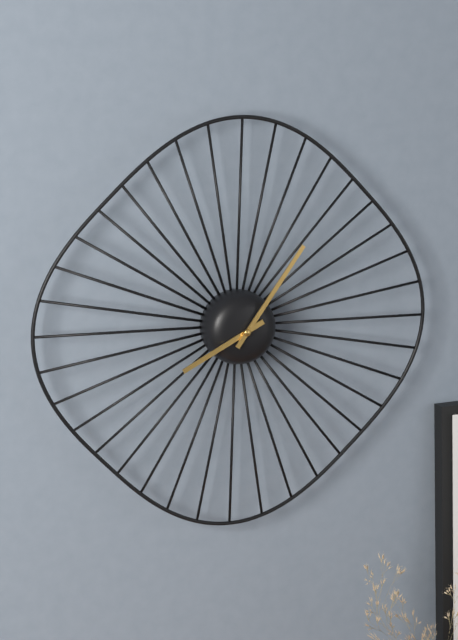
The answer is 8:06
